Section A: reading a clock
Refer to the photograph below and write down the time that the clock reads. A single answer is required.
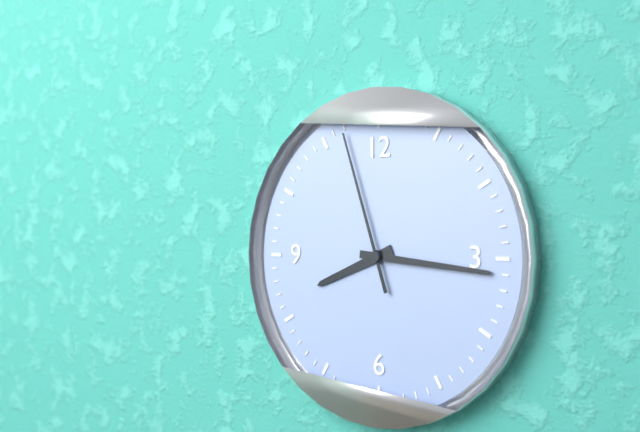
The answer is 8:16:57
